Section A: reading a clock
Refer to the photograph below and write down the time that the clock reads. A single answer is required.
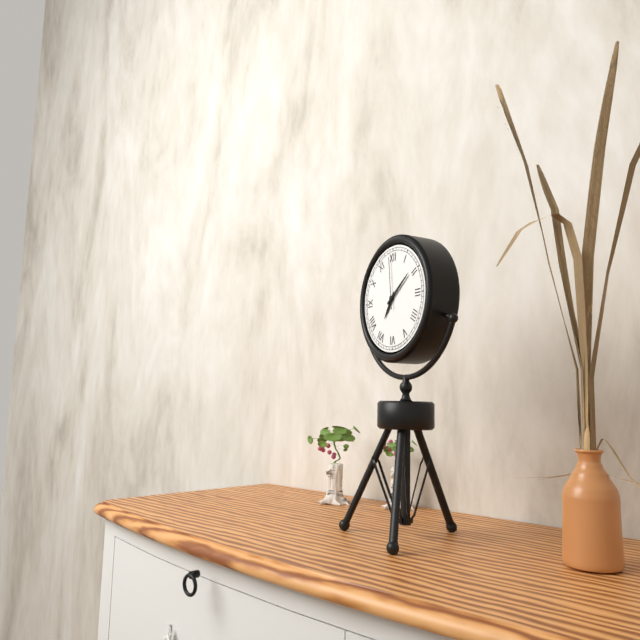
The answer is 7:09:59
